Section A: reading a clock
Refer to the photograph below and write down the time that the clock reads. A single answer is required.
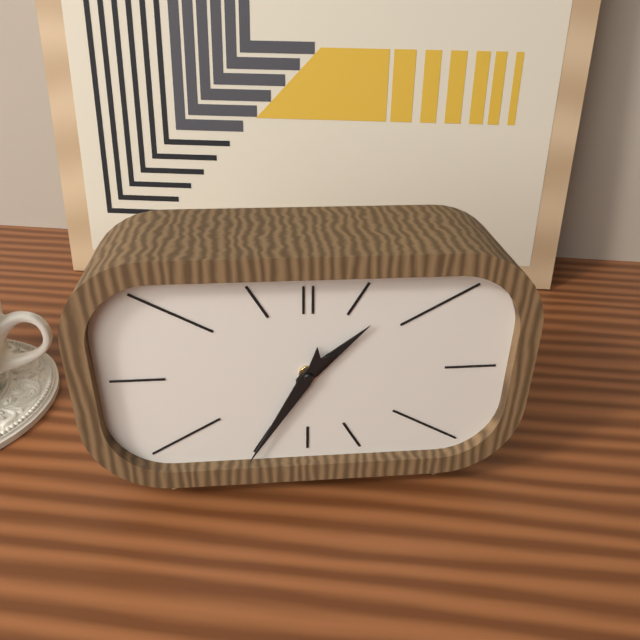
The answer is 1:35
